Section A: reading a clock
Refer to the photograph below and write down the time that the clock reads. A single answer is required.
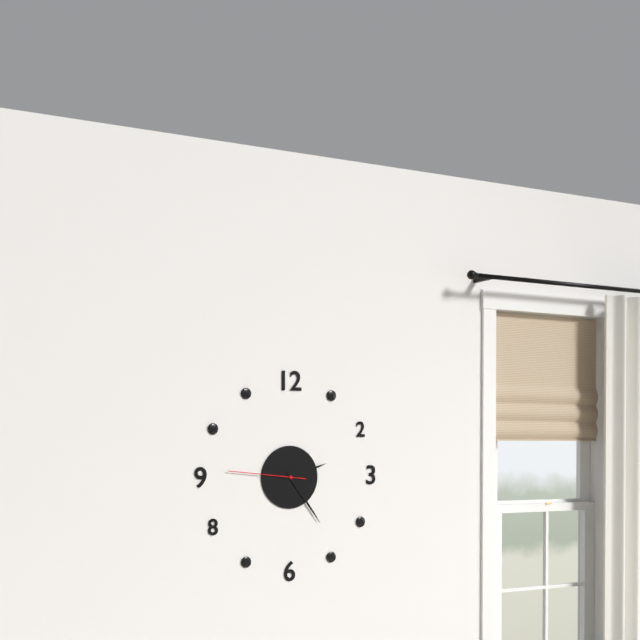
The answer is 2:24:46
